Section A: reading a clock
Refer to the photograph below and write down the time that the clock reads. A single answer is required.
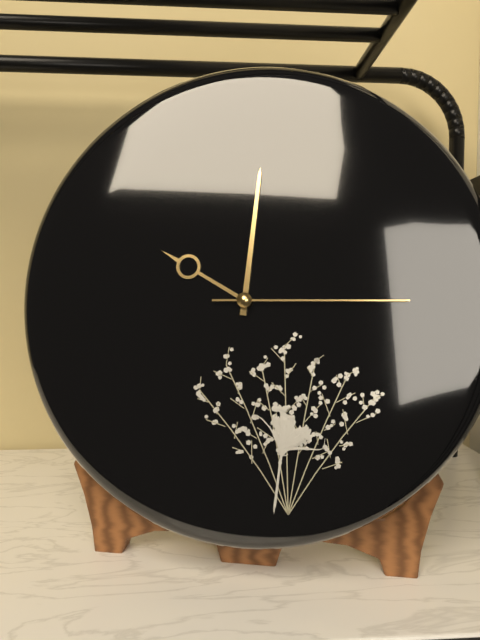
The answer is 10:01:15
